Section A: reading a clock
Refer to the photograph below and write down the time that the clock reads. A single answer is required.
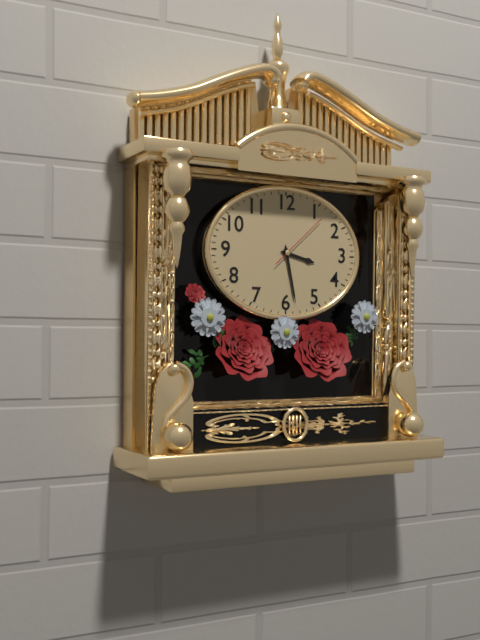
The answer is 3:28:08
